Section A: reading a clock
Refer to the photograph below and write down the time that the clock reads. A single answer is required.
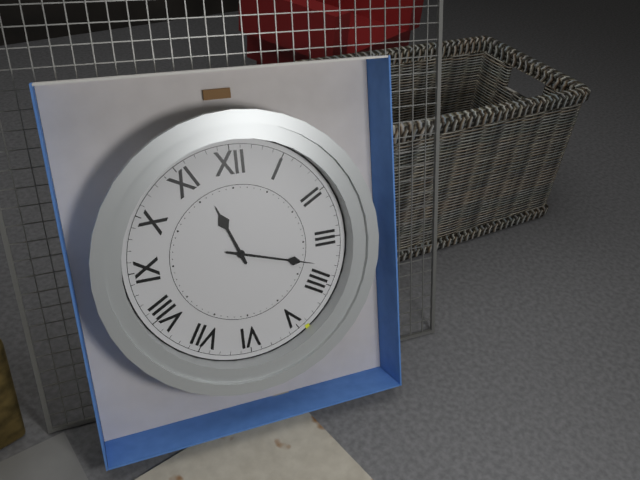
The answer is 11:18
